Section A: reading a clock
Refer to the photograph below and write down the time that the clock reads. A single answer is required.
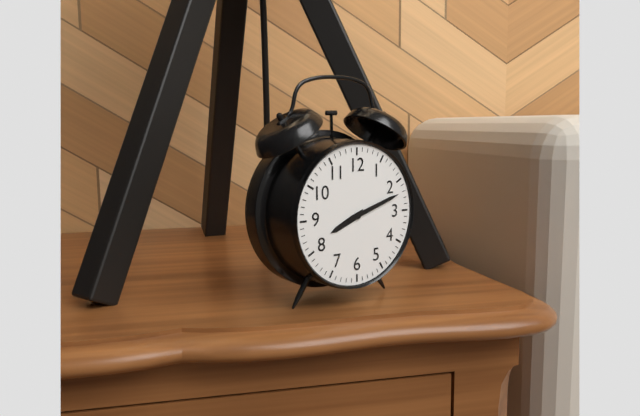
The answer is 8:12
